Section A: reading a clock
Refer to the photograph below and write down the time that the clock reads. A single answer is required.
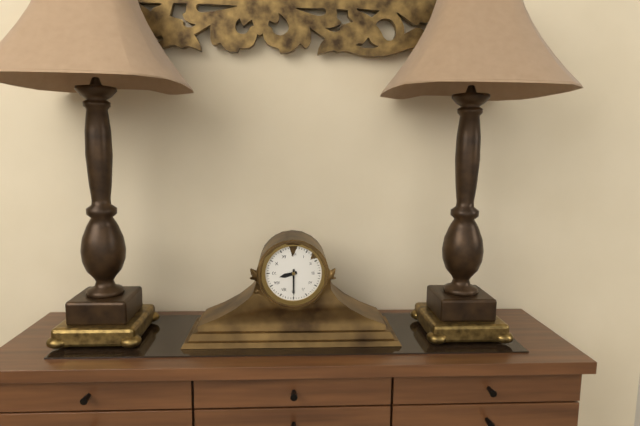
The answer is 8:30
